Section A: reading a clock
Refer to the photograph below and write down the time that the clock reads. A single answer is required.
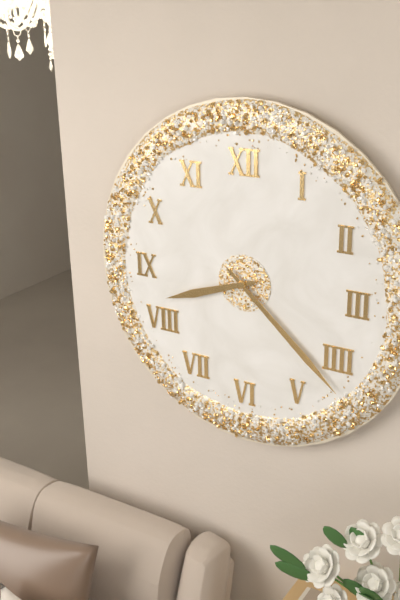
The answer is 8:22
